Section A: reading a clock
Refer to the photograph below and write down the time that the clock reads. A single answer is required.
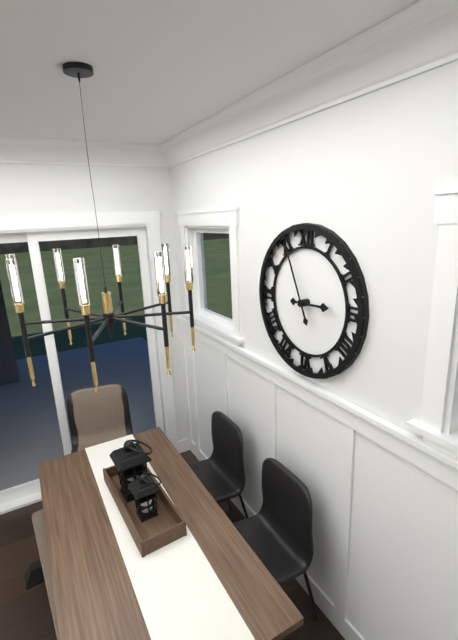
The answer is 2:56
